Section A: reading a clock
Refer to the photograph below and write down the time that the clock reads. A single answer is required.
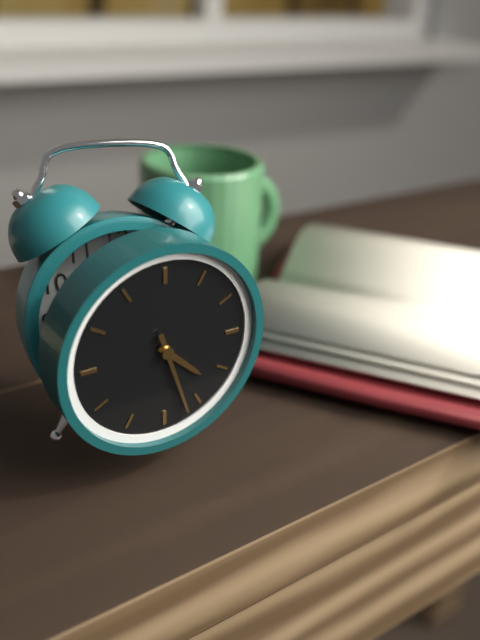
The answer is 4:27
